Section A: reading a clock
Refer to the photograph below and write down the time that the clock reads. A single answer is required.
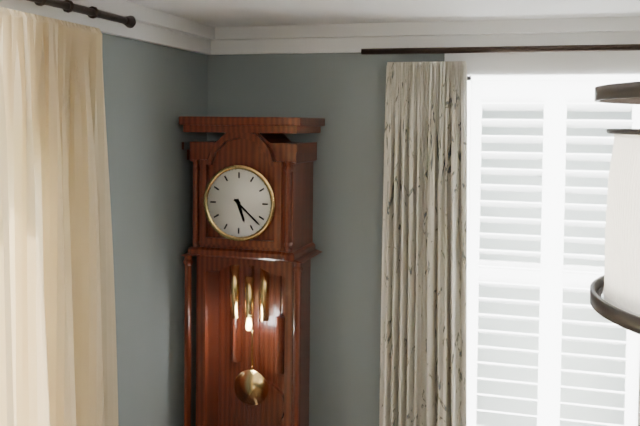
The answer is 5:22
